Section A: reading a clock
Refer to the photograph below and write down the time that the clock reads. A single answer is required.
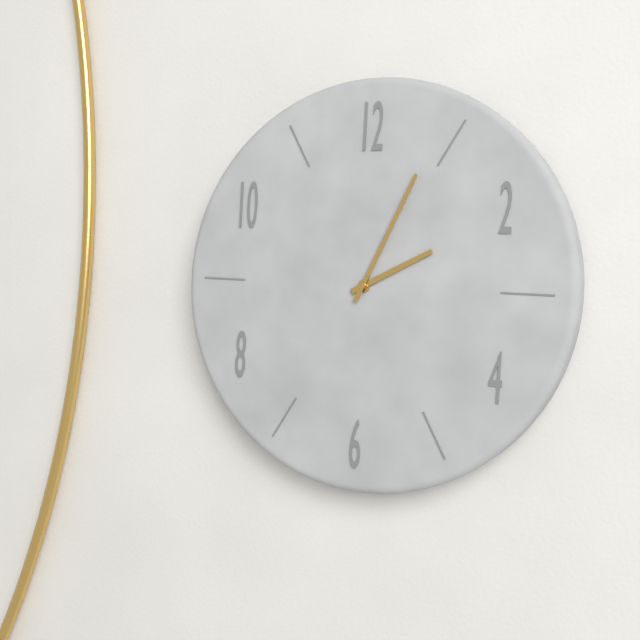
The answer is 2:04
